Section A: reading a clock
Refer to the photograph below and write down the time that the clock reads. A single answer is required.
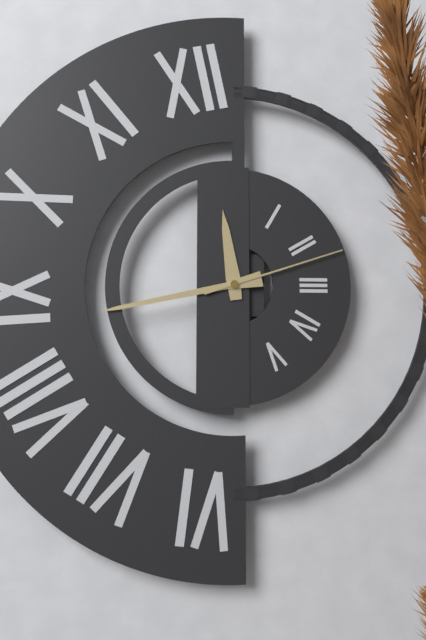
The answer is 11:43:12
